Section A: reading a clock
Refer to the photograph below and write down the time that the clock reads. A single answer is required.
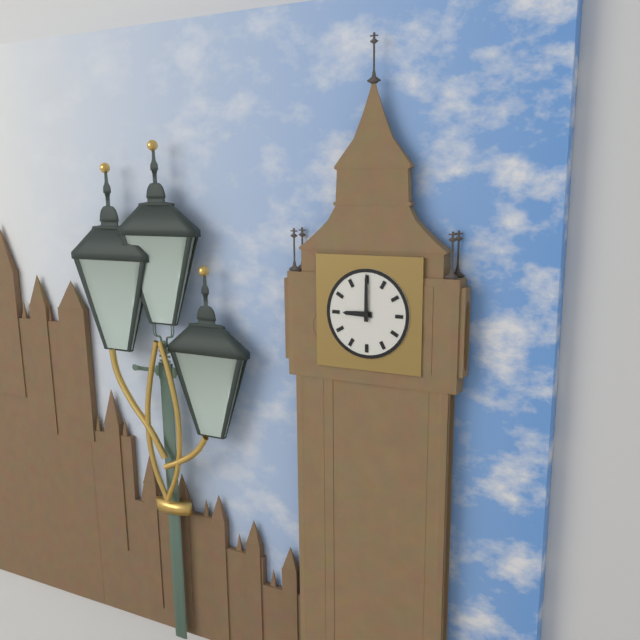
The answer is 9:00
